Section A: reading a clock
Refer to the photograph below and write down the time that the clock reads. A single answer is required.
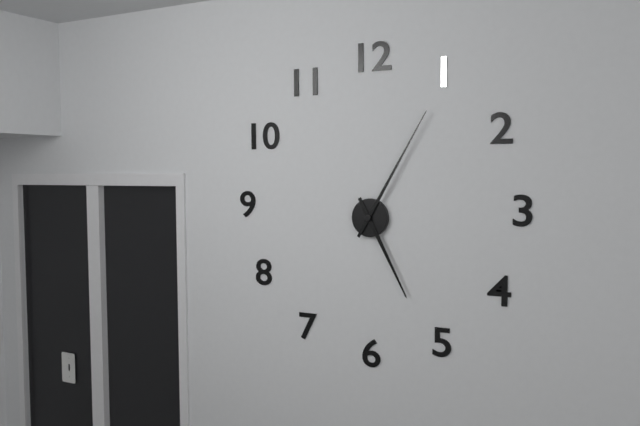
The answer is 5:05
